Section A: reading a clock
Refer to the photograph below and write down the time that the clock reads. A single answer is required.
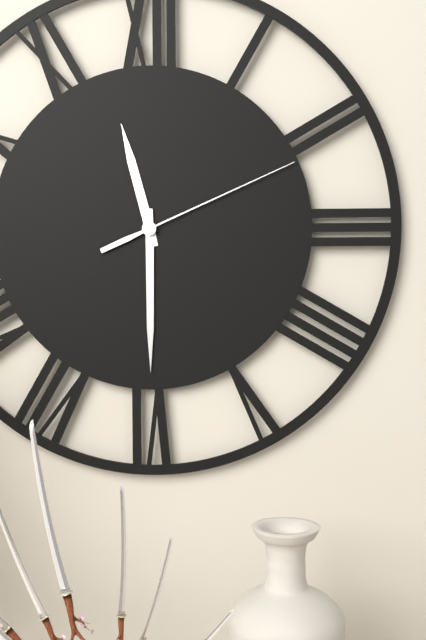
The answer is 11:30:11
